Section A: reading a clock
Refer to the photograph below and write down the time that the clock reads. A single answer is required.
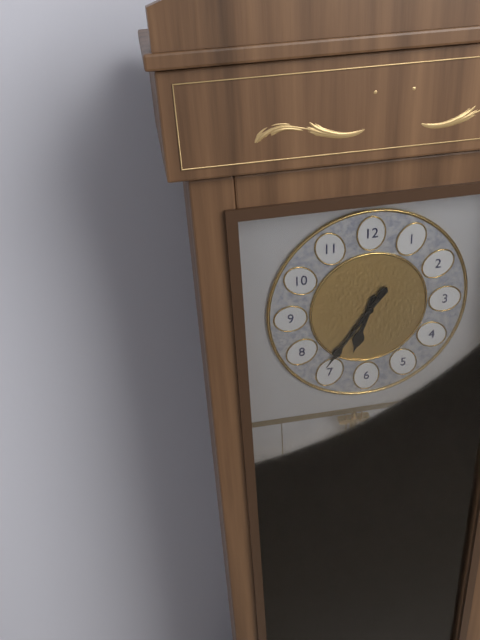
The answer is 6:36
